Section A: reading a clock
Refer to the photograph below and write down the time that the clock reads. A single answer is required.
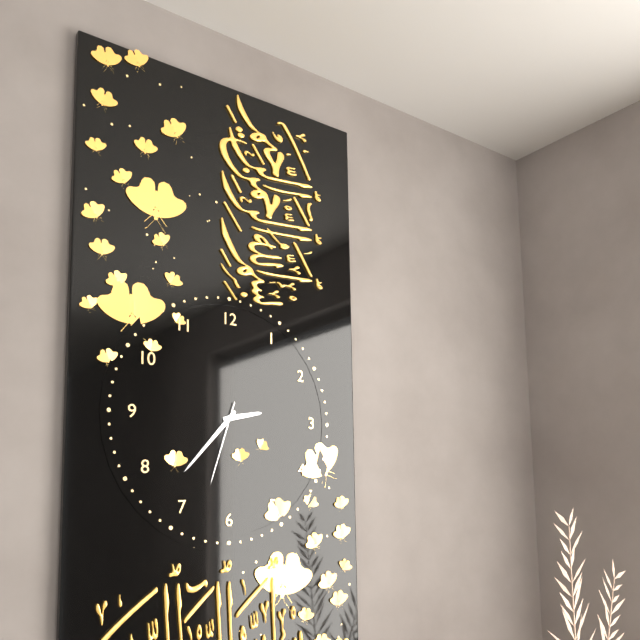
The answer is 2:37:33
